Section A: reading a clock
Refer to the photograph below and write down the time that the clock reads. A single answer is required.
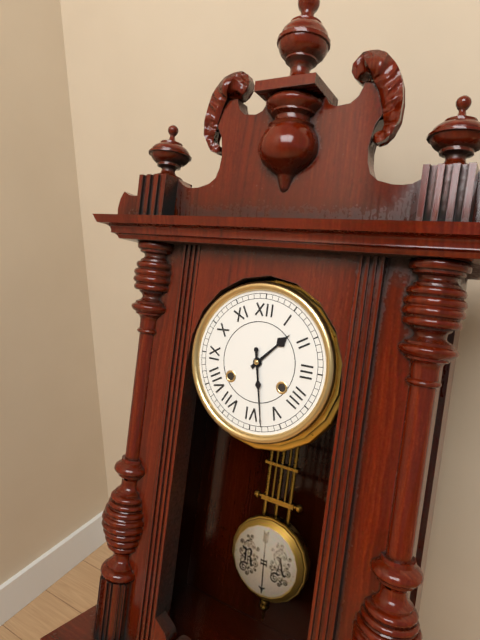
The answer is 1:28
